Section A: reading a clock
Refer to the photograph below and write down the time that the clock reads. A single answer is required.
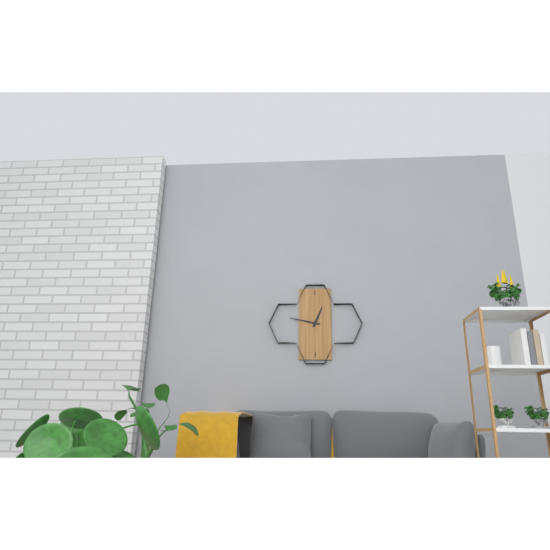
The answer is 12:47
